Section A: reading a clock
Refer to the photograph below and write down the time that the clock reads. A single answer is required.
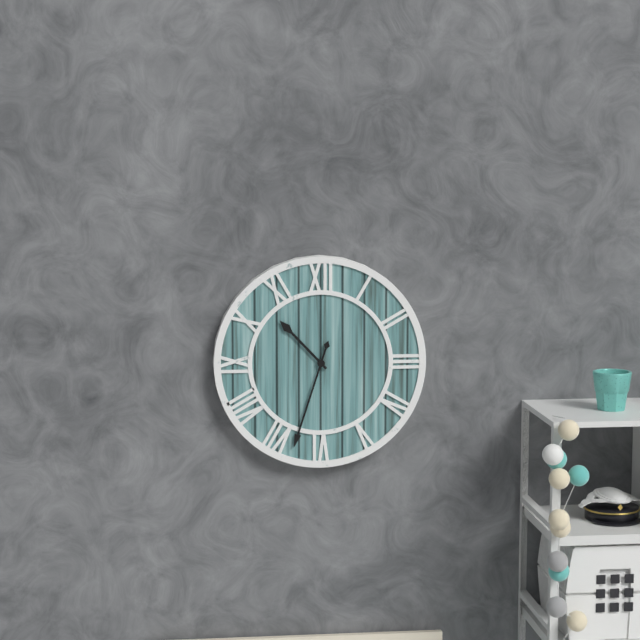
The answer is 10:33
